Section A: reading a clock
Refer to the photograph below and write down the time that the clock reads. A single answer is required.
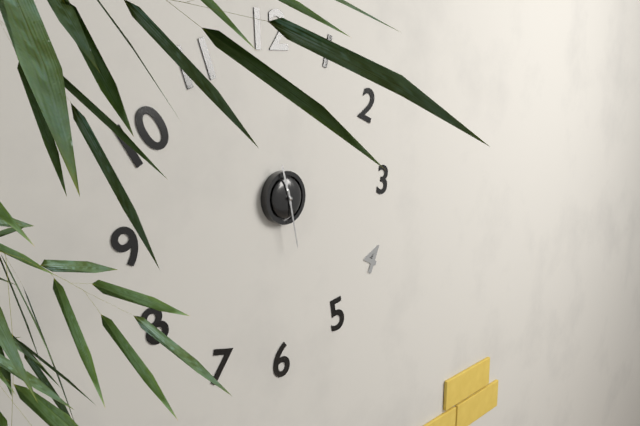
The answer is 11:28
